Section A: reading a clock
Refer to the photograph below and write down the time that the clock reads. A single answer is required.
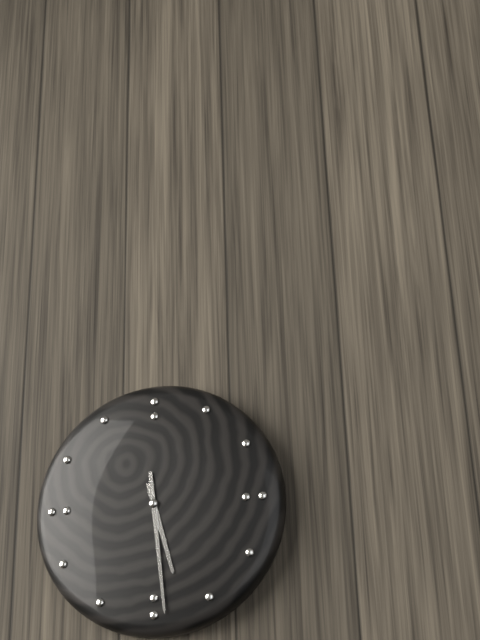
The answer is 5:29
